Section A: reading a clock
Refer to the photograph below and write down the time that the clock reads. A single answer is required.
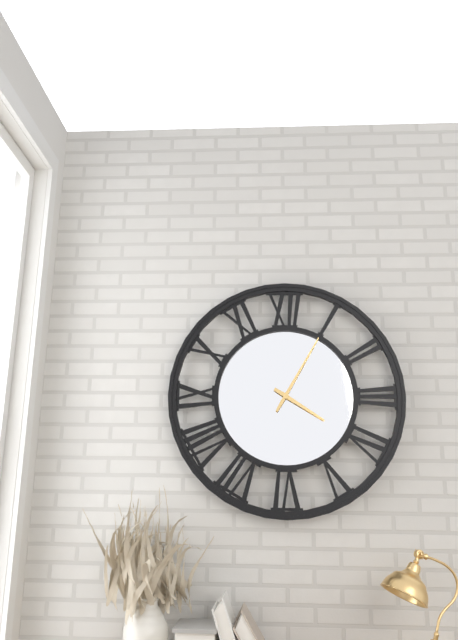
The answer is 4:05
